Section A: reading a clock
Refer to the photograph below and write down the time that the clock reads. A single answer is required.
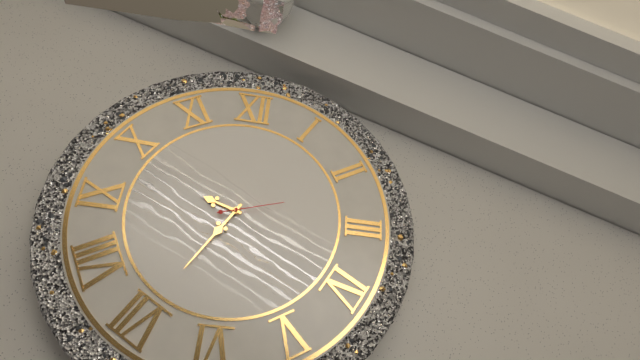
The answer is 9:35:12
